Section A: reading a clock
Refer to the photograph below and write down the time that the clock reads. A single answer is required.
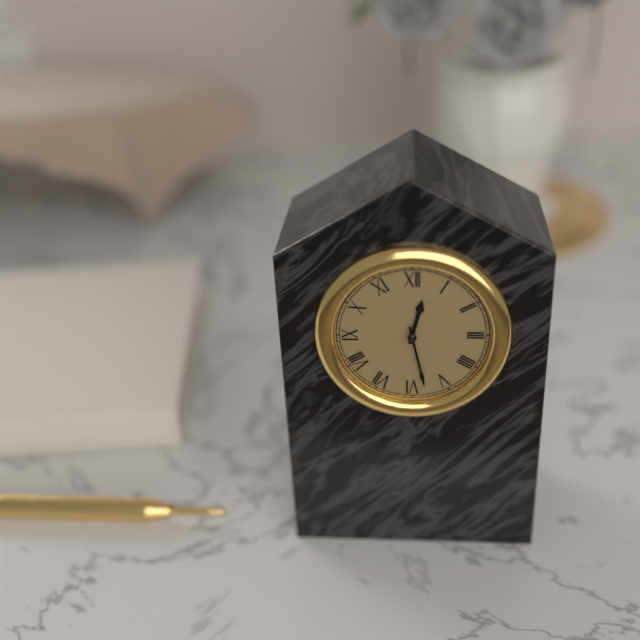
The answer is 12:28
